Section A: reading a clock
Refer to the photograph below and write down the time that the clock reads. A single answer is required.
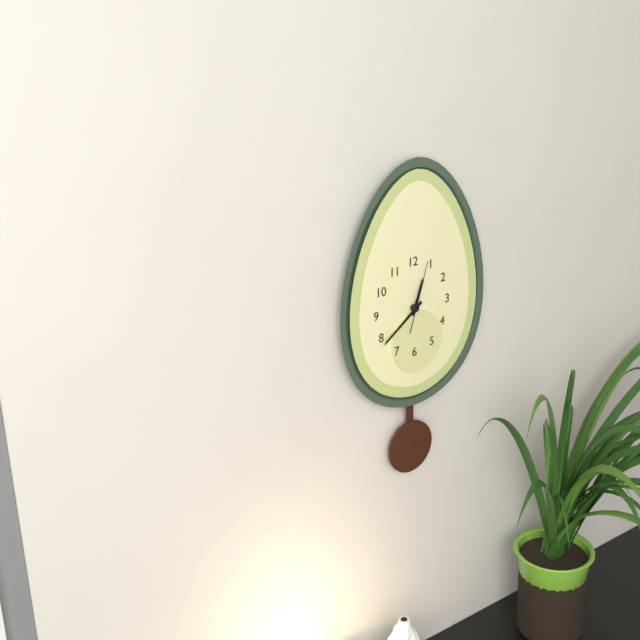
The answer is 12:39:03
